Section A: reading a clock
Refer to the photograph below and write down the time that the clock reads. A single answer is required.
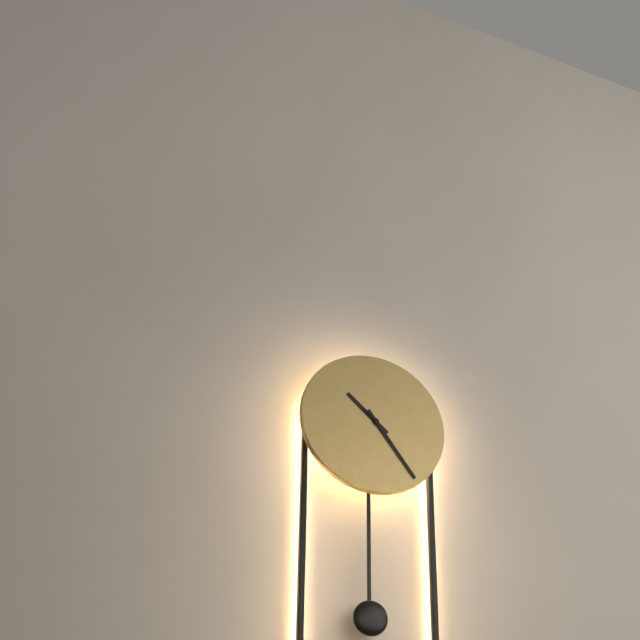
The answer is 10:24
